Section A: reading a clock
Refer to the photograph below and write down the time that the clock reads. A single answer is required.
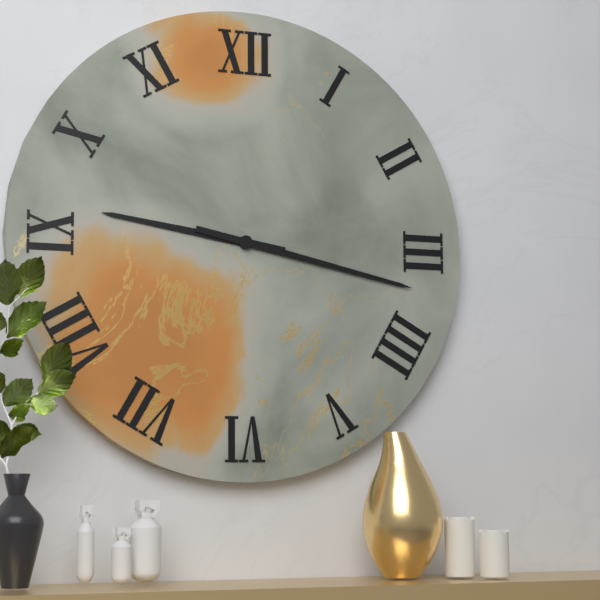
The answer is 9:17
